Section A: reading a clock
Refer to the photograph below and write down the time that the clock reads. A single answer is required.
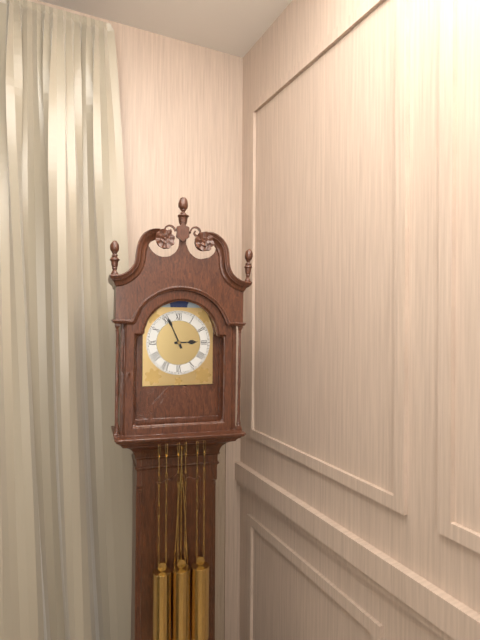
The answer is 2:56
